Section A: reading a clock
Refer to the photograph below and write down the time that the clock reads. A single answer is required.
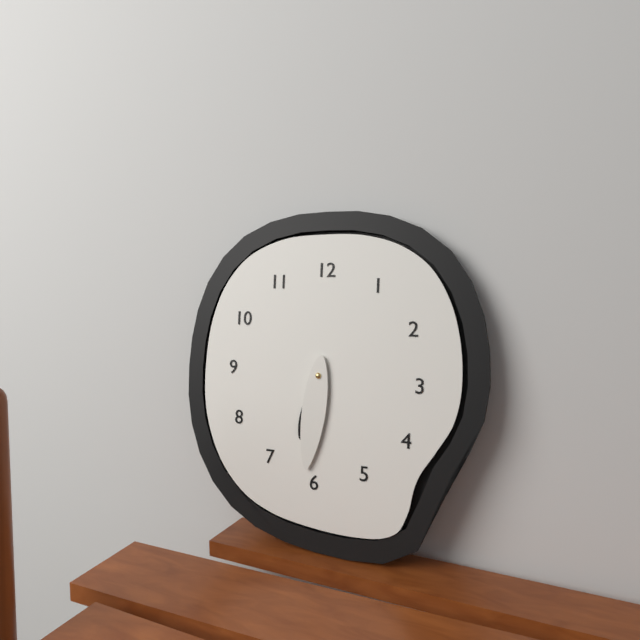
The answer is 6:31
